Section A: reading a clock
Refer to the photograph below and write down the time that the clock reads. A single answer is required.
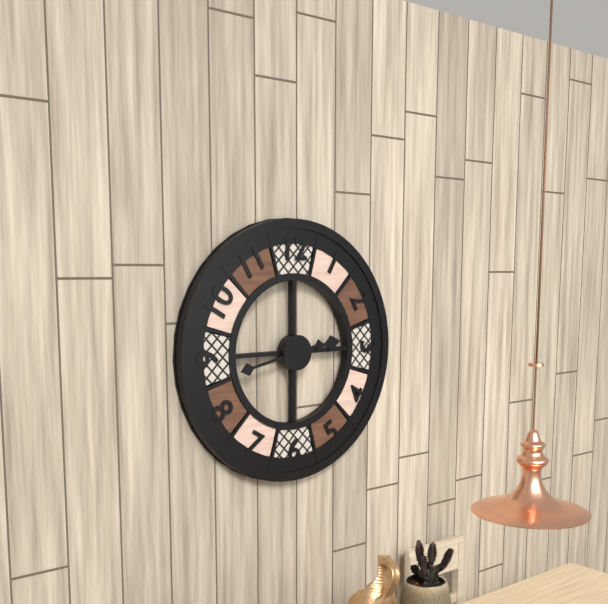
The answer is 2:43
